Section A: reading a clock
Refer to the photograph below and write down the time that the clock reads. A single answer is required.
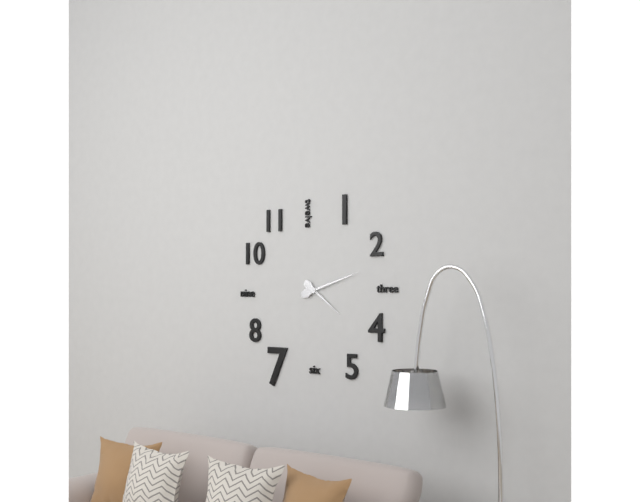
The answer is 4:12
